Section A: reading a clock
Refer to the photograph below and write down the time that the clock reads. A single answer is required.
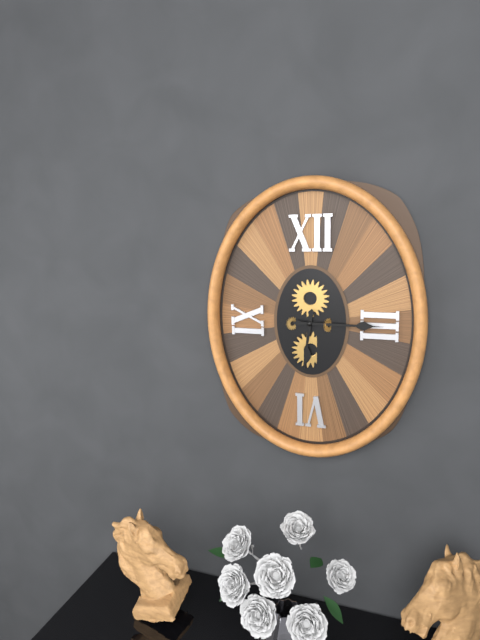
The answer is 6:15
